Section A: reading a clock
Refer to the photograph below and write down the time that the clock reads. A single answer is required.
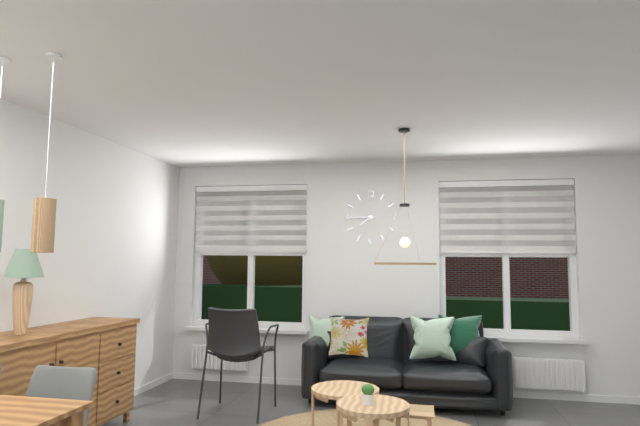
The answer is 7:45
